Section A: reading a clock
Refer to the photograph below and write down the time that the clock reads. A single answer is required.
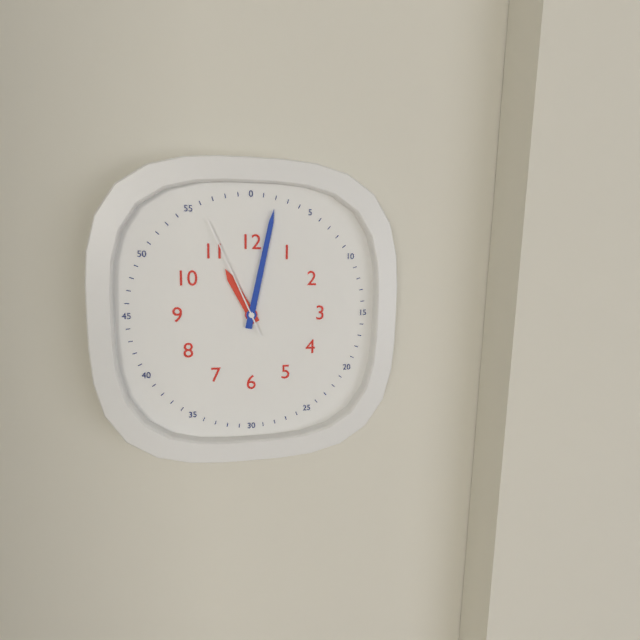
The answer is 11:02:56
